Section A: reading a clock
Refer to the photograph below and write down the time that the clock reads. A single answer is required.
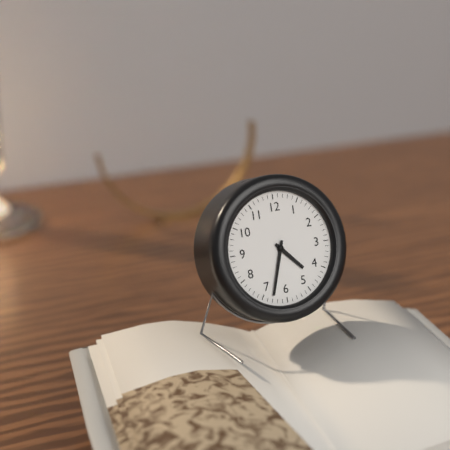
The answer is 4:33
